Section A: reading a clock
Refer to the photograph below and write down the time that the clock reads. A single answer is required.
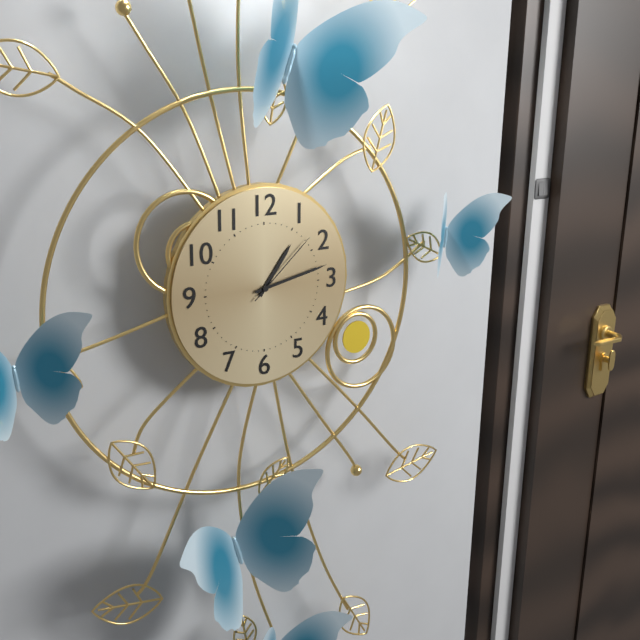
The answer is 1:13:08
